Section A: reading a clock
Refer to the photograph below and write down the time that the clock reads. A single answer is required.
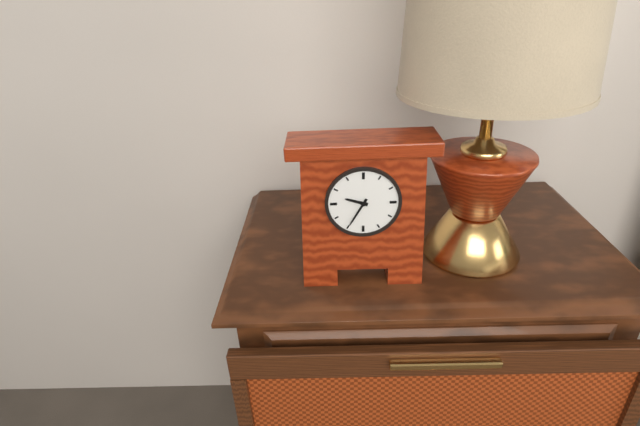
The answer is 9:35
